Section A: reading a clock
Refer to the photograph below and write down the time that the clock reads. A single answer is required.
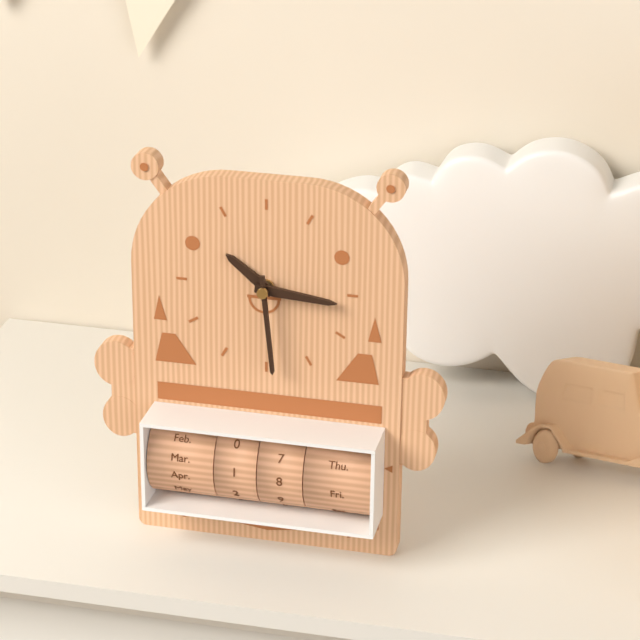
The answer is 10:16:29
